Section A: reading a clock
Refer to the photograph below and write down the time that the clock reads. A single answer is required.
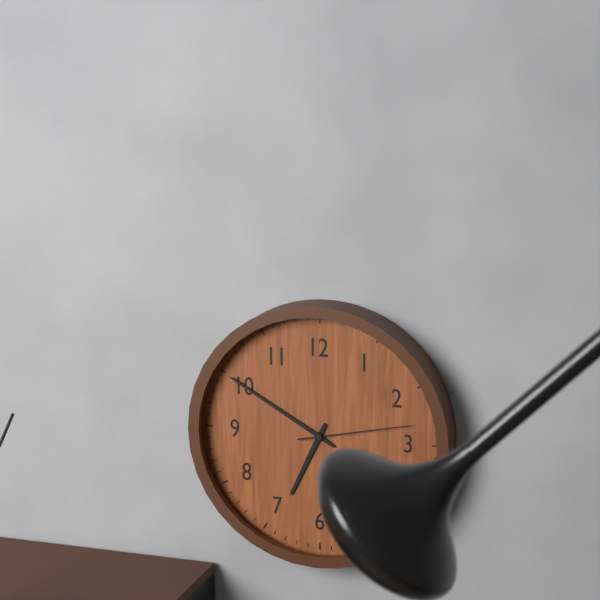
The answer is 6:50:13
